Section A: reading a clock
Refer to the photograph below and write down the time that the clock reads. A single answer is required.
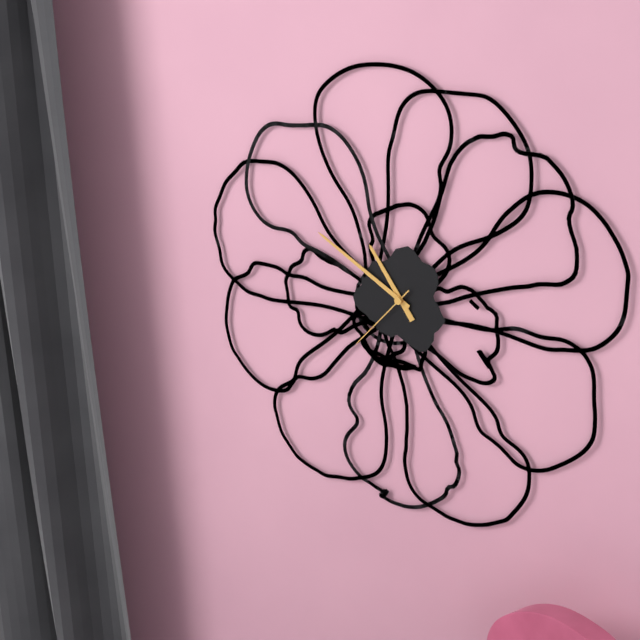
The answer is 10:50:37
